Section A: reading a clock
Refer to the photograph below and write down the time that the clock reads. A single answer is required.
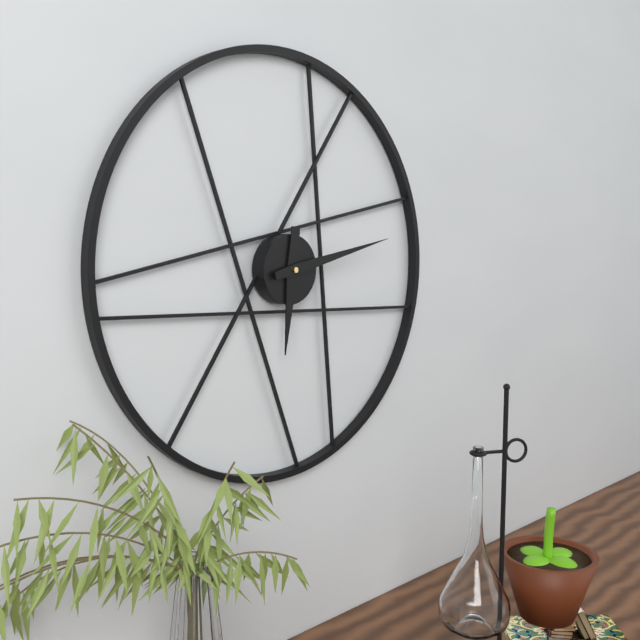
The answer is 6:13
